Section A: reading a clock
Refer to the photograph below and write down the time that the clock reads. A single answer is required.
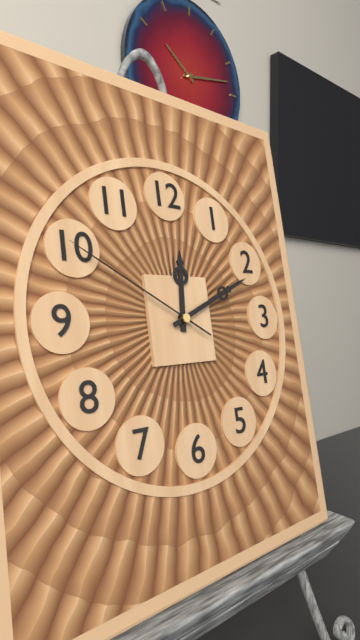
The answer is 12:11:50
